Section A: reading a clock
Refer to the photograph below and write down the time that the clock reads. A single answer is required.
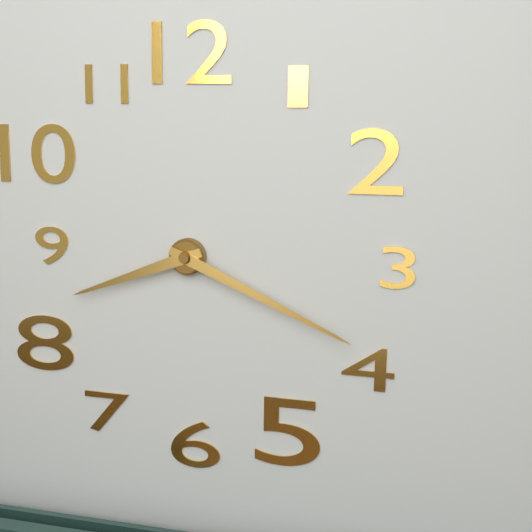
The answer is 8:19
